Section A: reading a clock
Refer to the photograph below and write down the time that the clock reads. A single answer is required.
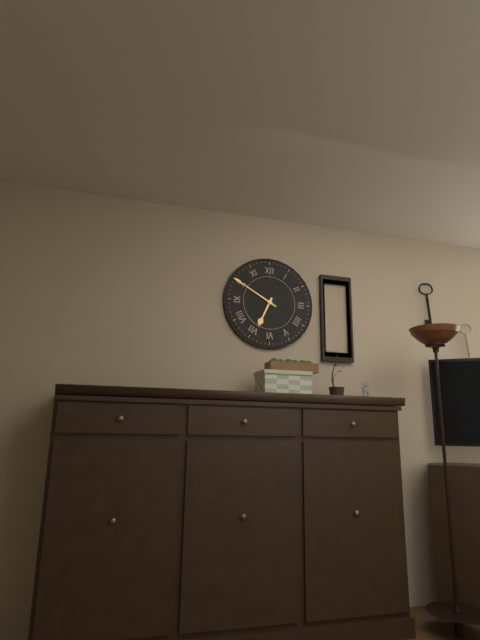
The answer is 6:50
